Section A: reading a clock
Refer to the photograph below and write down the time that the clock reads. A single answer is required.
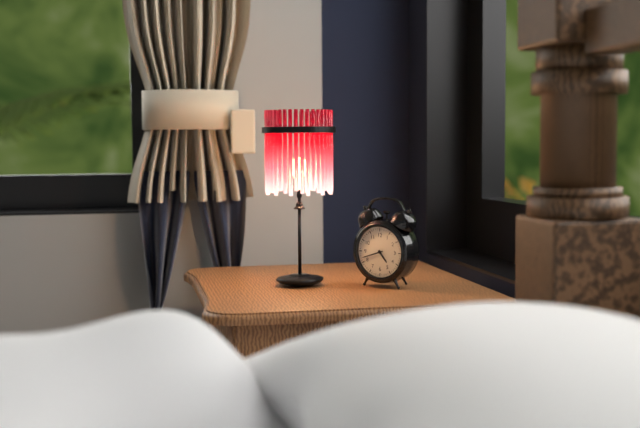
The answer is 4:42
